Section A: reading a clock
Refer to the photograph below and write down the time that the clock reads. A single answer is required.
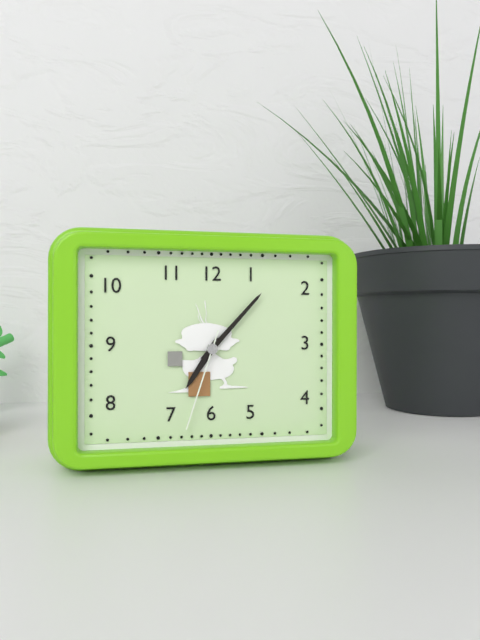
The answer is 7:07:33
